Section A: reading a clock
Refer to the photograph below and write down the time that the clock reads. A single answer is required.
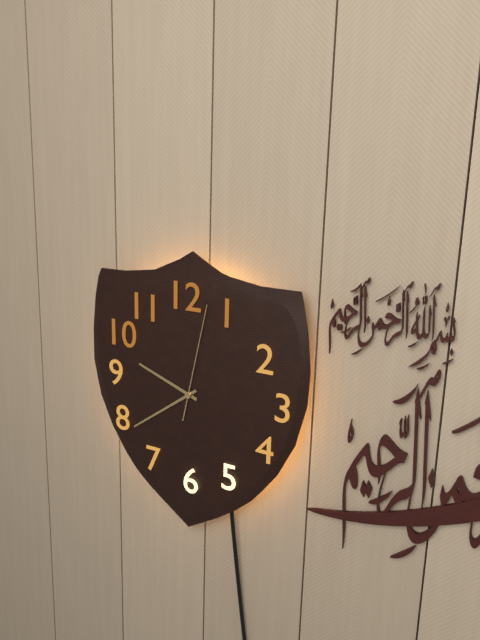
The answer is 9:39:02
